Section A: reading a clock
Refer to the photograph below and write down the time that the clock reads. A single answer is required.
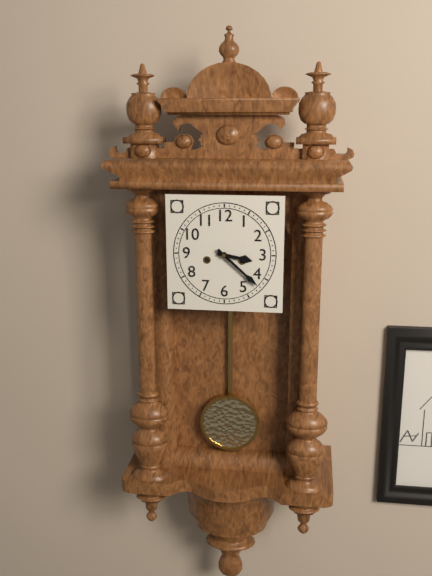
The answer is 3:22
